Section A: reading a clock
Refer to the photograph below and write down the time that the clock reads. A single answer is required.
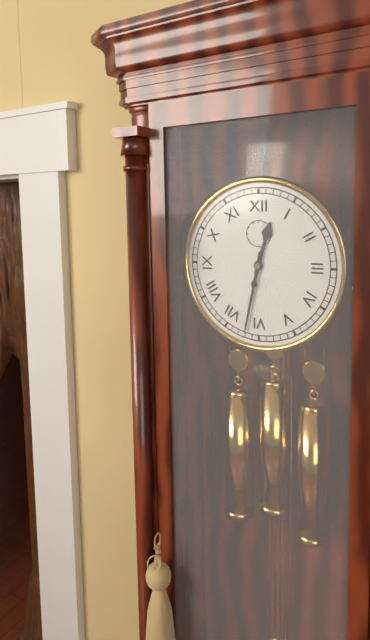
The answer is 12:32
